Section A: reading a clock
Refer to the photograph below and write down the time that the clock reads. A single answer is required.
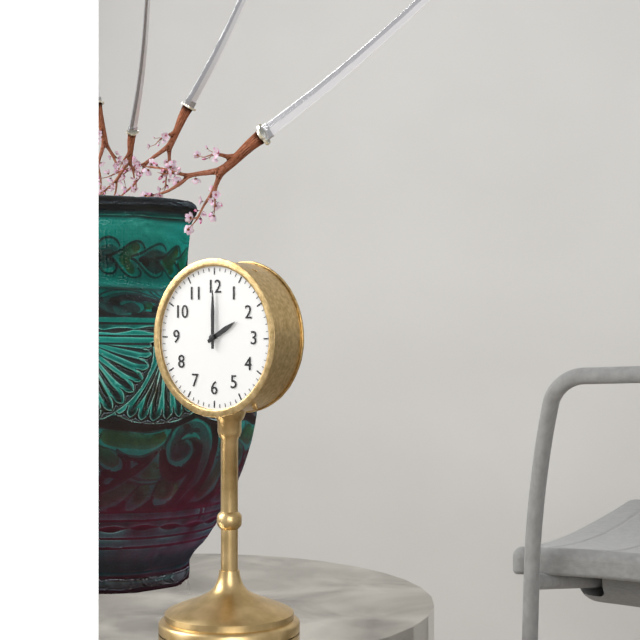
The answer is 2:00
